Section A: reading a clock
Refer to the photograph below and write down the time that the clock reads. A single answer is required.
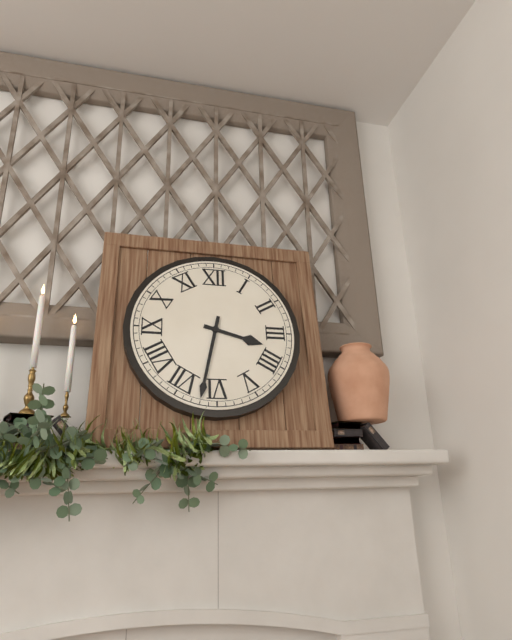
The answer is 3:32
